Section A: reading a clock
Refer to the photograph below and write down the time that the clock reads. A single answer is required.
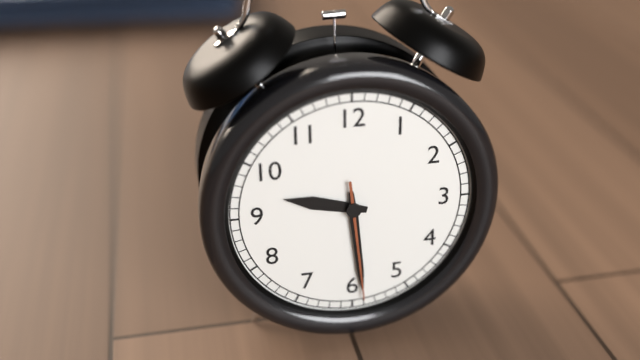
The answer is 9:29:29
